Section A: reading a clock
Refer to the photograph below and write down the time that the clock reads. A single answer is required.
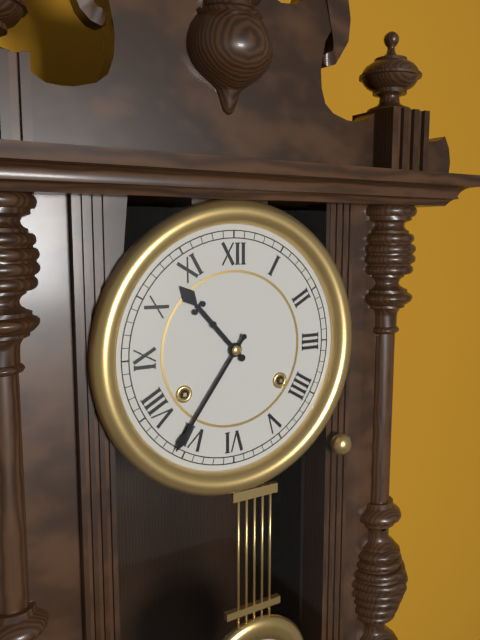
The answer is 10:36
